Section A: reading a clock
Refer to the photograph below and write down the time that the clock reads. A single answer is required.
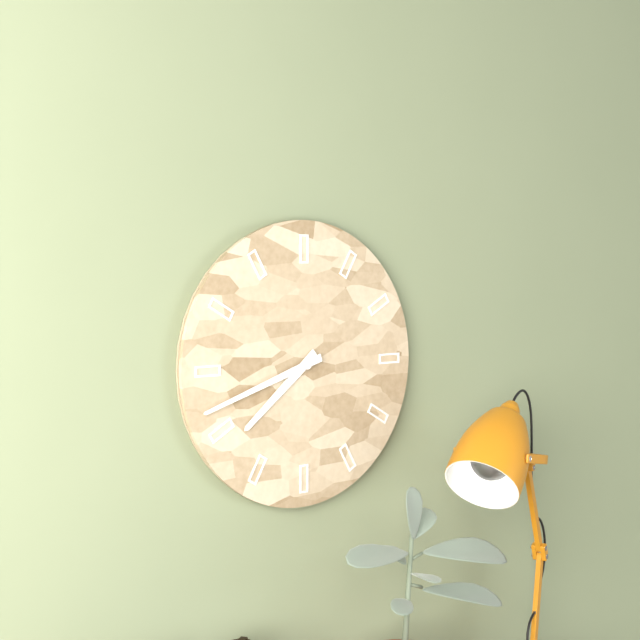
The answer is 7:42
